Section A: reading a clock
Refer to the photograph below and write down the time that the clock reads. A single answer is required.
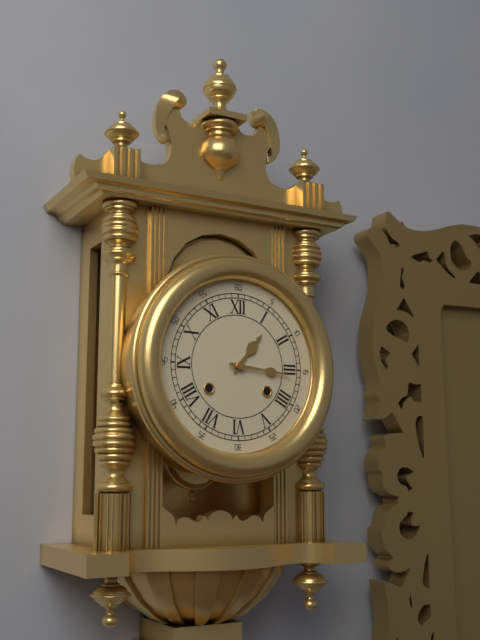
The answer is 1:16
